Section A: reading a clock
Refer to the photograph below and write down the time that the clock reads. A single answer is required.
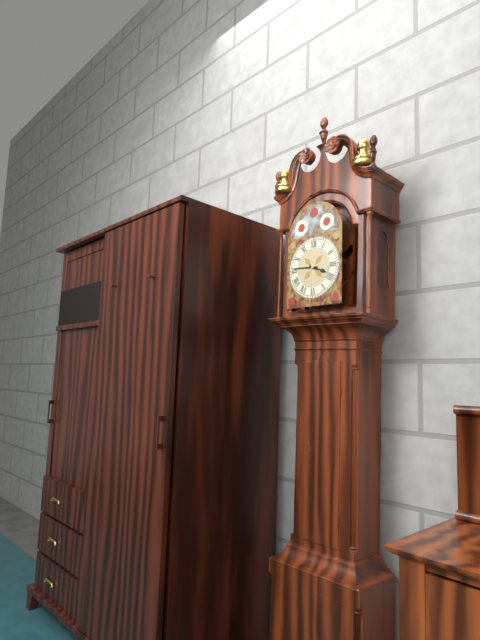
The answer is 3:46
